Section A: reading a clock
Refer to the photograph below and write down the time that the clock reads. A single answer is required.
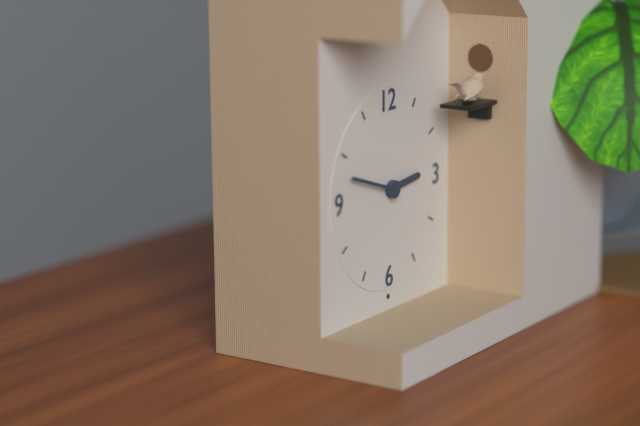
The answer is 2:48
